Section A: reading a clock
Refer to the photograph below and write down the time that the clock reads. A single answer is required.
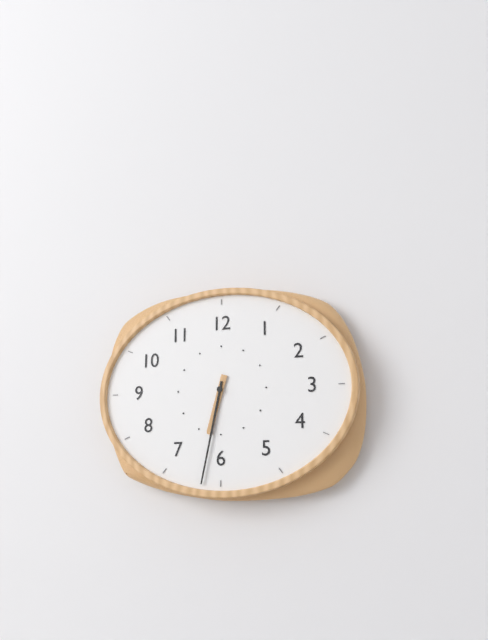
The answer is 6:32
